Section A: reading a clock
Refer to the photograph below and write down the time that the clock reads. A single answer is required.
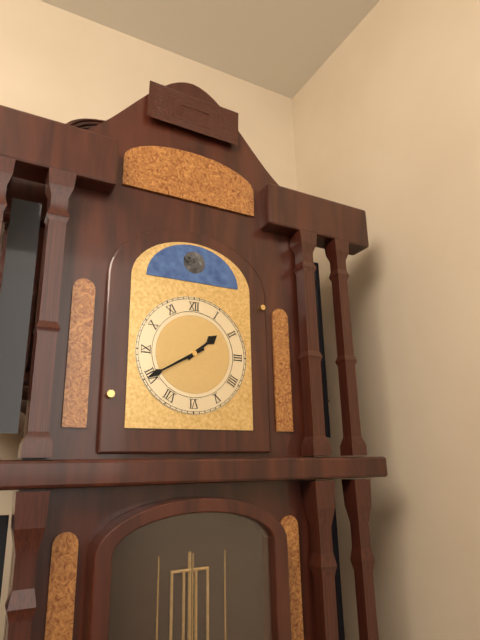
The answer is 1:40
